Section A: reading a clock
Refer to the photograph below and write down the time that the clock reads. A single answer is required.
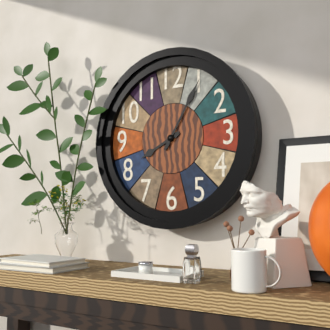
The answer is 8:05
